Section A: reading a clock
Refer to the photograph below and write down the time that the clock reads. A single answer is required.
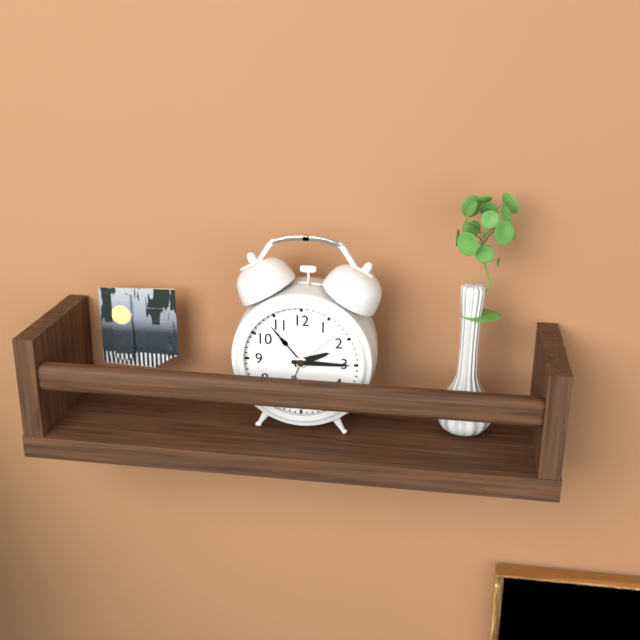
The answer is 2:15
